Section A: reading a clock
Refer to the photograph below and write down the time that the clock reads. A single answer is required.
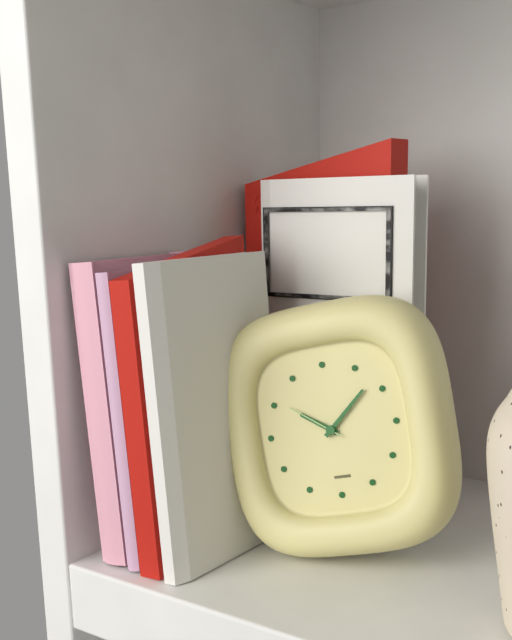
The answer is 10:08:51
